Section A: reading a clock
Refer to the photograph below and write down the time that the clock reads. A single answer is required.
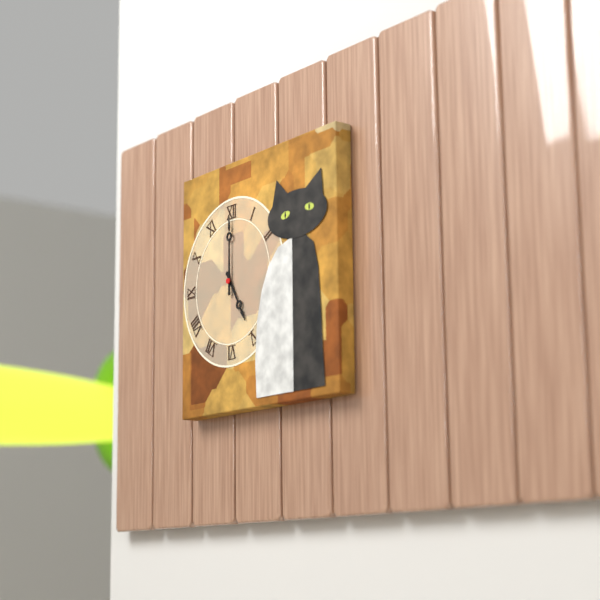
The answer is 5:00
